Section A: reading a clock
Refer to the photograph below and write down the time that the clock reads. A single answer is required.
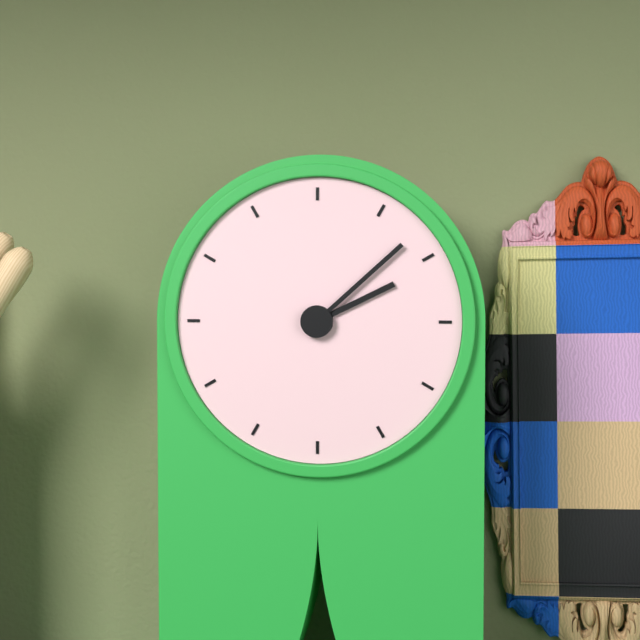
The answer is 2:08
